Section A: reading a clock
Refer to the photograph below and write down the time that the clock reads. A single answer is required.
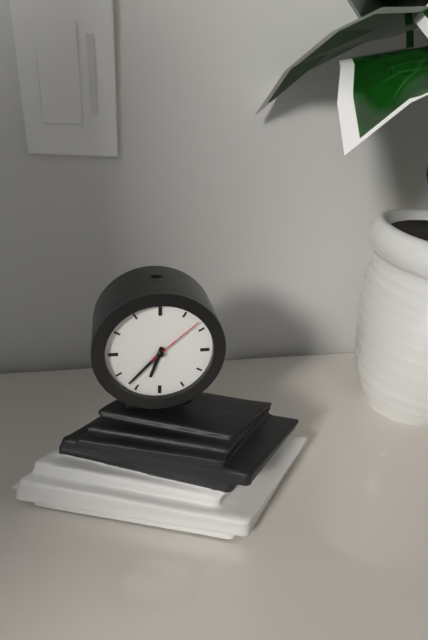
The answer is 6:37:08
